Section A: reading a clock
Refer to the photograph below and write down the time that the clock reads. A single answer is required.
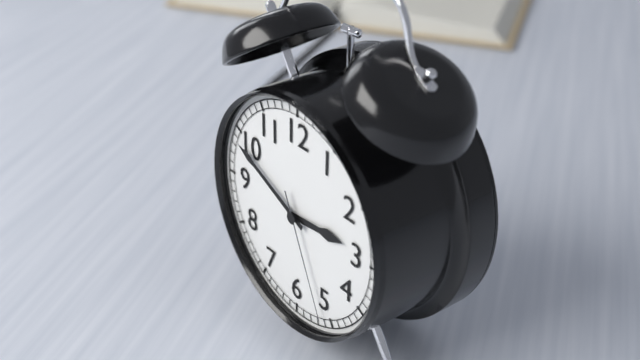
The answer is 2:49:26
